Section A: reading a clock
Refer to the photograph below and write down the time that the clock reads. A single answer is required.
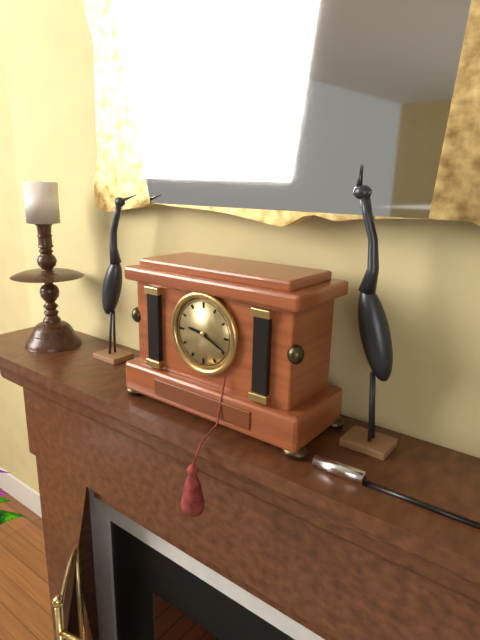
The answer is 9:19
